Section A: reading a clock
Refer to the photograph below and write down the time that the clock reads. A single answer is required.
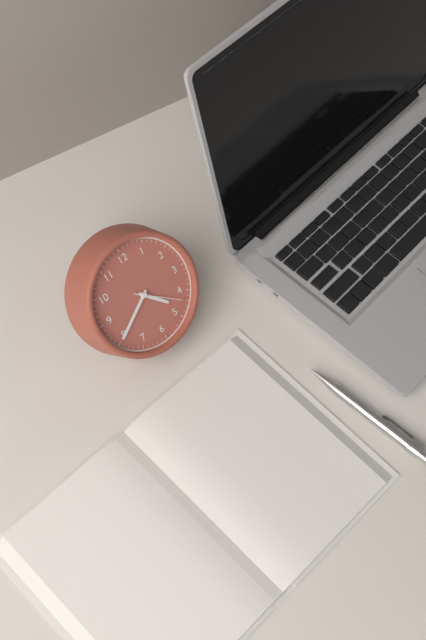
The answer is 4:40:22
